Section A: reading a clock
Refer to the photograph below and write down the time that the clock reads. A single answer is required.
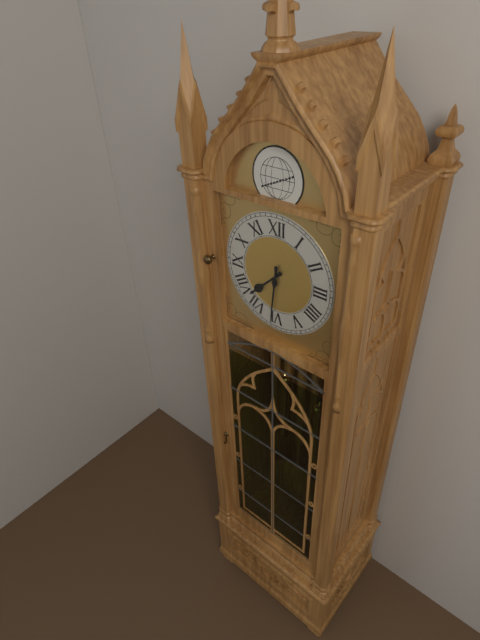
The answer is 7:31
